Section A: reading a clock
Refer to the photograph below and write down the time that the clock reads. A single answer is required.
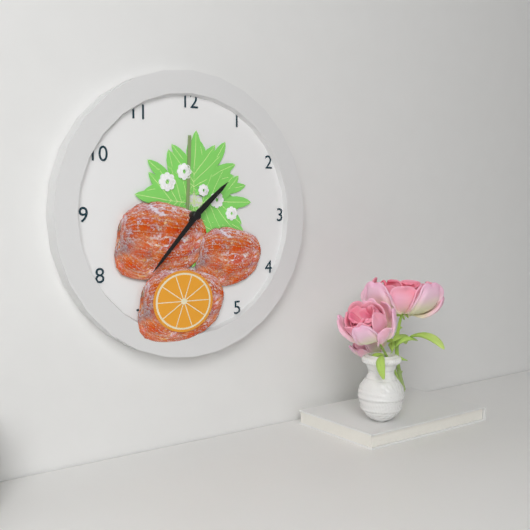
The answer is 1:37
